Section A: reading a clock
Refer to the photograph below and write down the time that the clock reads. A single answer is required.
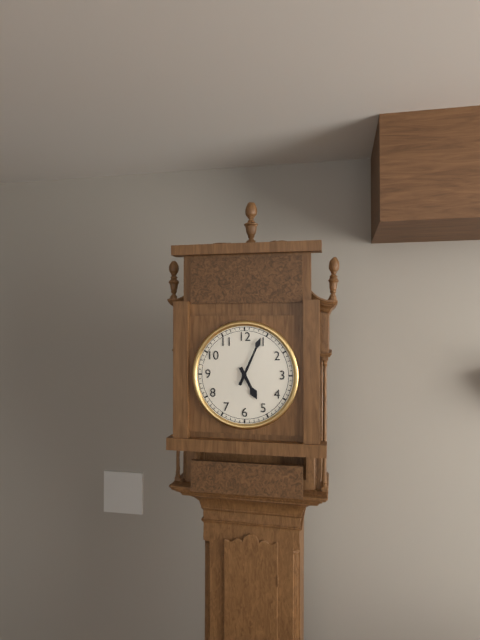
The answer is 5:04
